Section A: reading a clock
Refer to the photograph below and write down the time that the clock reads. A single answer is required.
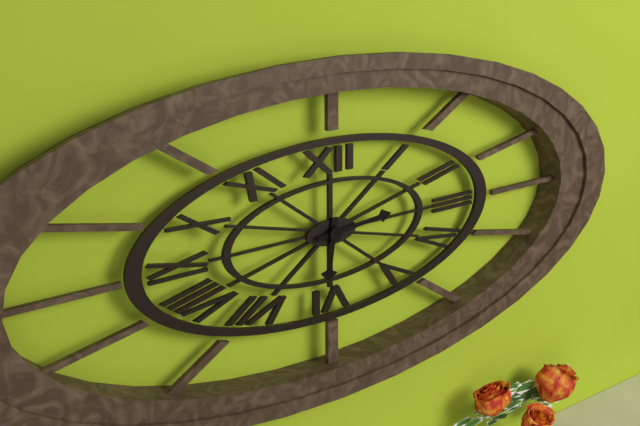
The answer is 6:14
